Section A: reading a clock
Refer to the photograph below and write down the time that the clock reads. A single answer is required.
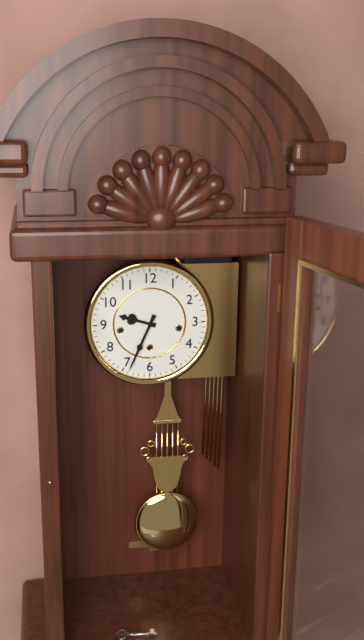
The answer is 9:34
